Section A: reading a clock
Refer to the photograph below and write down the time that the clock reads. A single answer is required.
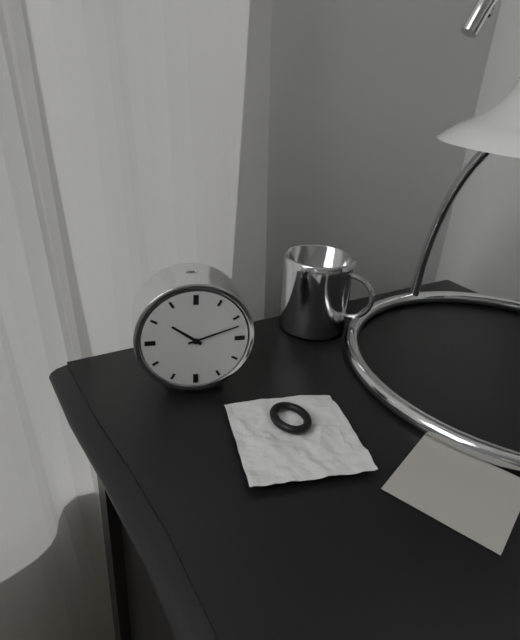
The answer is 10:12
